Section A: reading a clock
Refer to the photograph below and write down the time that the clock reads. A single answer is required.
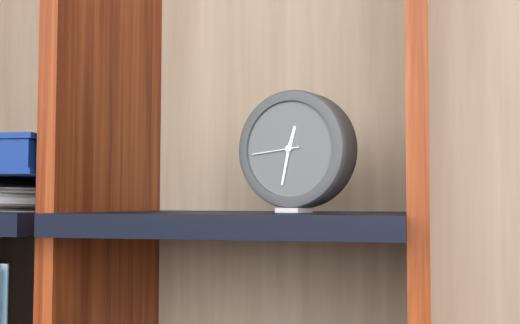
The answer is 12:32
